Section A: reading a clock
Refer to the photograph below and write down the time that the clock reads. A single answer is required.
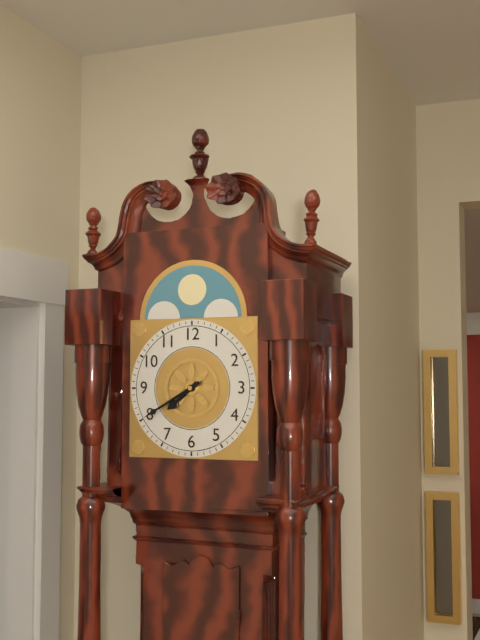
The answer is 7:40
